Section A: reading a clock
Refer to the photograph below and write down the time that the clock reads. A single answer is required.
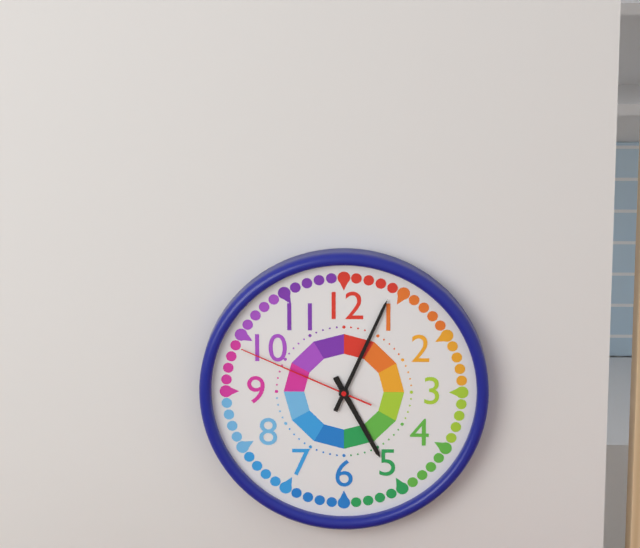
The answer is 5:04:49
